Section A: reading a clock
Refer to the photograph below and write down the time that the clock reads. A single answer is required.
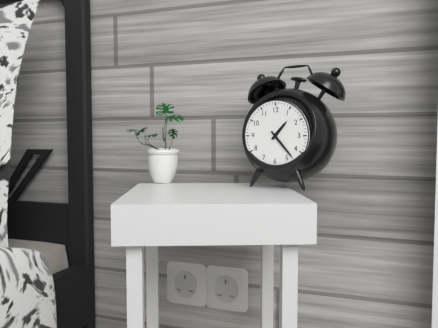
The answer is 1:23
